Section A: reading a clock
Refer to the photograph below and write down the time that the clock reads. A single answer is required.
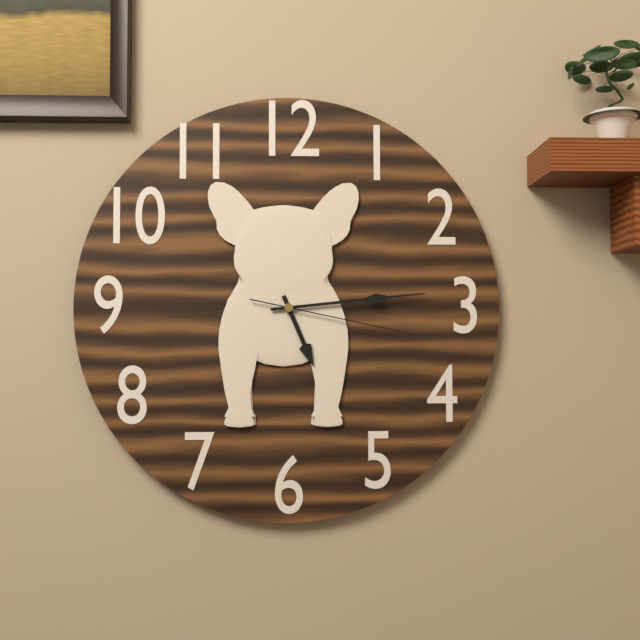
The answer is 5:14:17
